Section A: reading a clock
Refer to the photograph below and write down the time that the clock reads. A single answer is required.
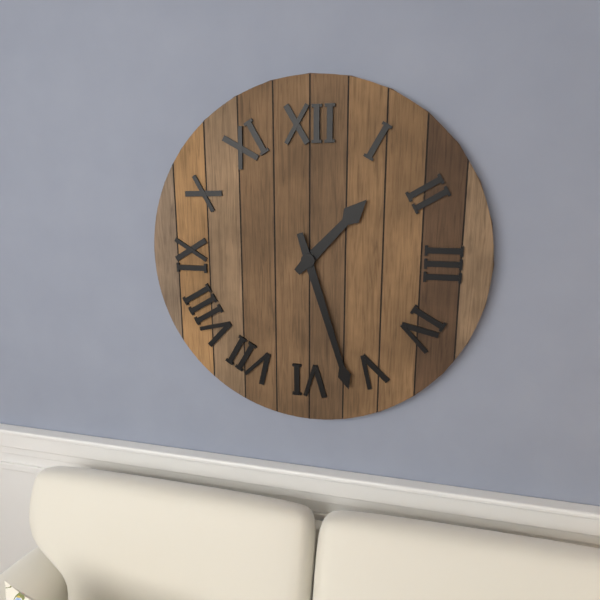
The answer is 1:27
